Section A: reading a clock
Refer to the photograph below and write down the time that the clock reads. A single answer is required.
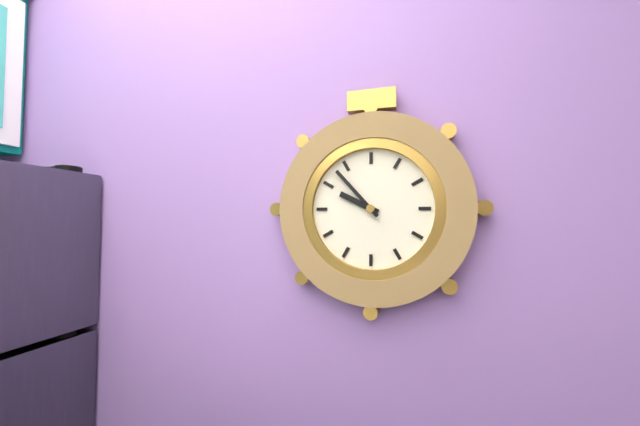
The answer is 9:53
